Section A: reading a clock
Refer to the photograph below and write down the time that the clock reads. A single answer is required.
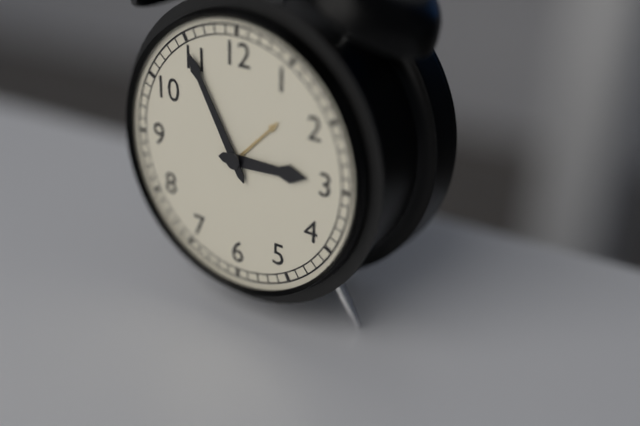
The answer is 2:55
